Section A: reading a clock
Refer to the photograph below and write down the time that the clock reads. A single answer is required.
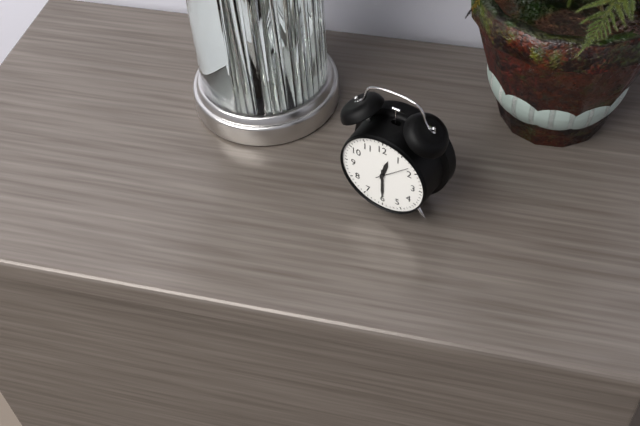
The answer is 12:30
